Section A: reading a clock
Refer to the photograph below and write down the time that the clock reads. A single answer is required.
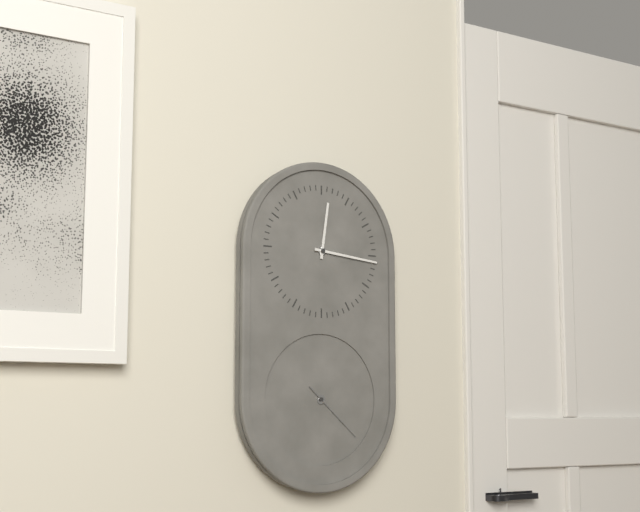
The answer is 12:16:22
